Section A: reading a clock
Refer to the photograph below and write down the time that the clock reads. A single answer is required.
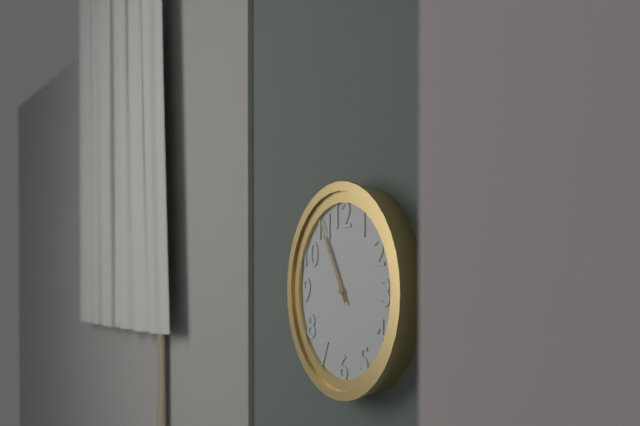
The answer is 10:55
